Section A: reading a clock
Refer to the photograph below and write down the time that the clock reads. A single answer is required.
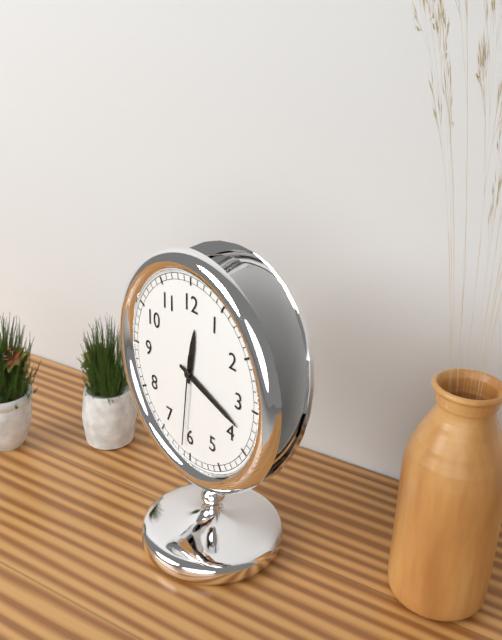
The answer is 12:18:31
